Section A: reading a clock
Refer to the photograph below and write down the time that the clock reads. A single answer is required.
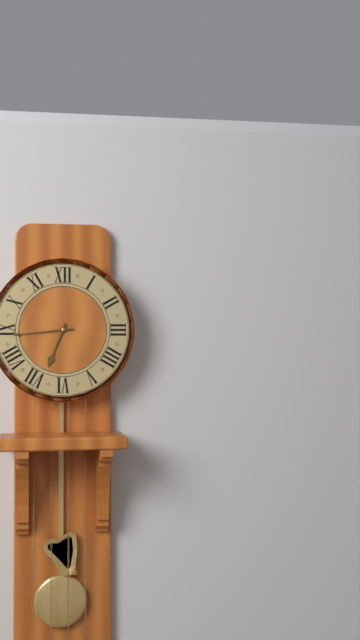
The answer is 6:44
